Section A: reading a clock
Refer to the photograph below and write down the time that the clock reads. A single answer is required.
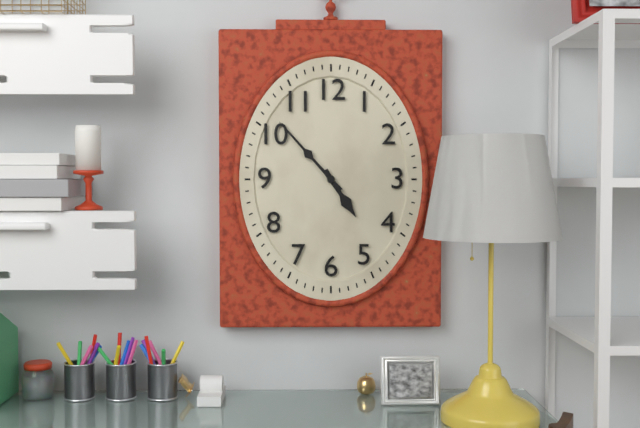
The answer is 4:53
